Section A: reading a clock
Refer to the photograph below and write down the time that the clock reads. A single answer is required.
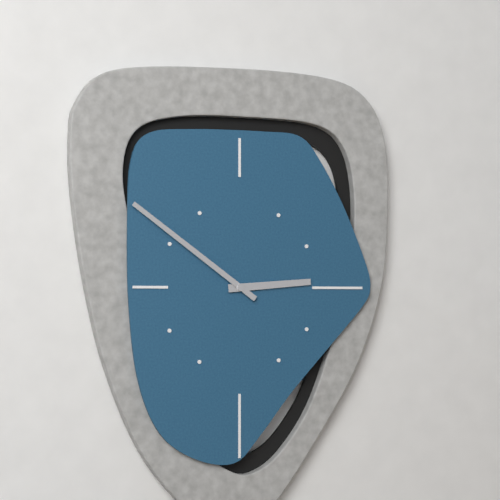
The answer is 2:51
